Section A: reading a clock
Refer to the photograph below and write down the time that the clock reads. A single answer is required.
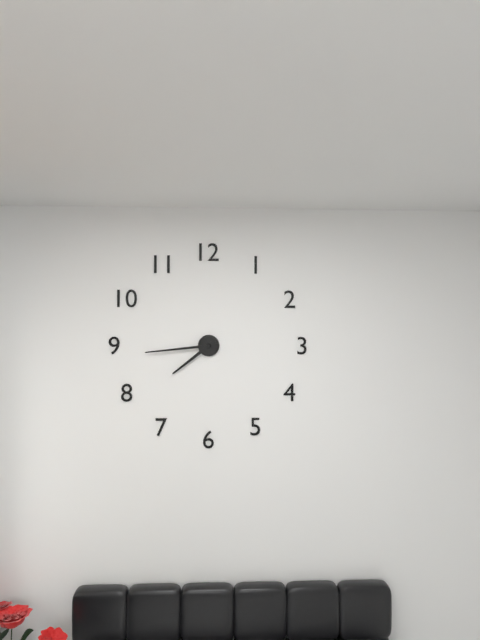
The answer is 7:44
